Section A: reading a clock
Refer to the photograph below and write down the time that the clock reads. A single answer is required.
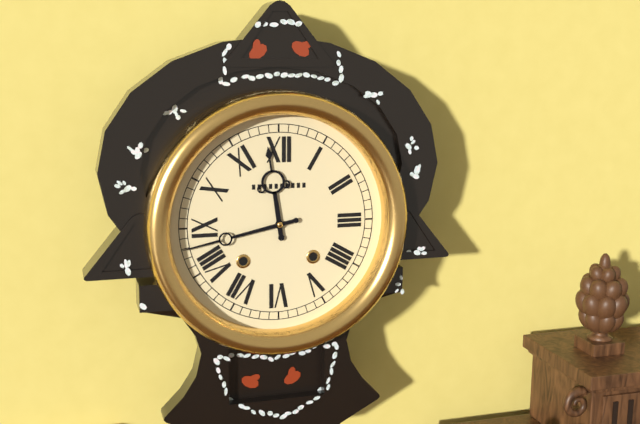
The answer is 11:43
